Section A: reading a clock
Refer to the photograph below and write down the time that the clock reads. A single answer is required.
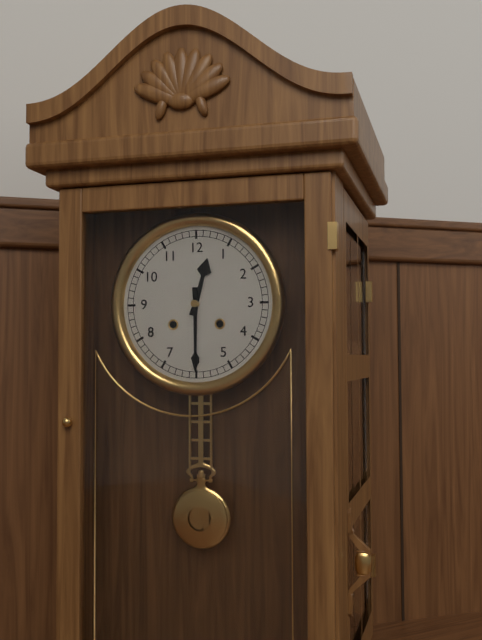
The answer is 12:30
